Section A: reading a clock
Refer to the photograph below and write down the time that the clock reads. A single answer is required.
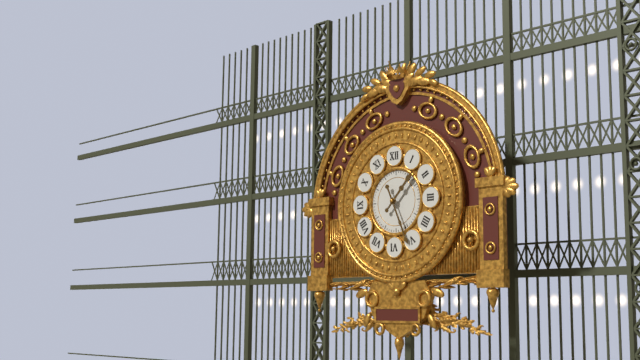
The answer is 1:26
